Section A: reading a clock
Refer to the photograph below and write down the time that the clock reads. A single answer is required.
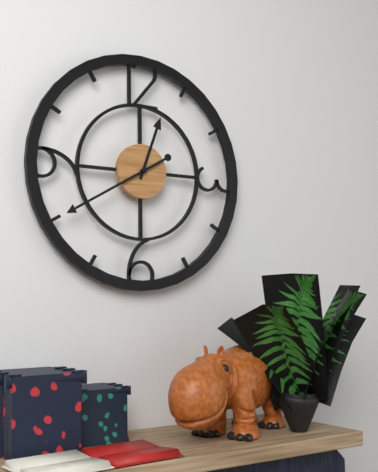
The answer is 12:40
